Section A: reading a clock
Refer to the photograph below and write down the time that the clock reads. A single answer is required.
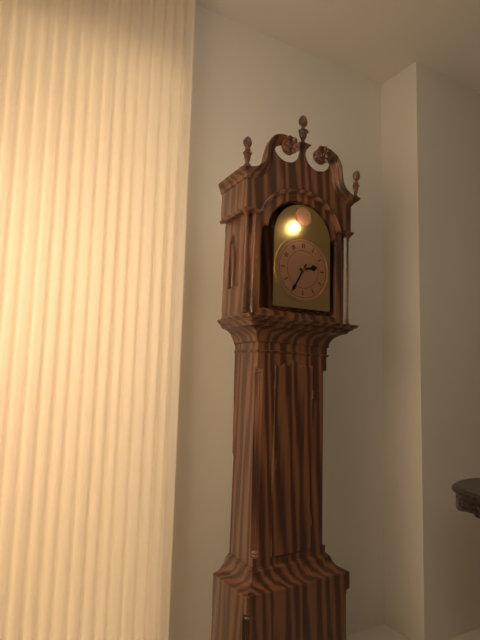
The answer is 2:35
